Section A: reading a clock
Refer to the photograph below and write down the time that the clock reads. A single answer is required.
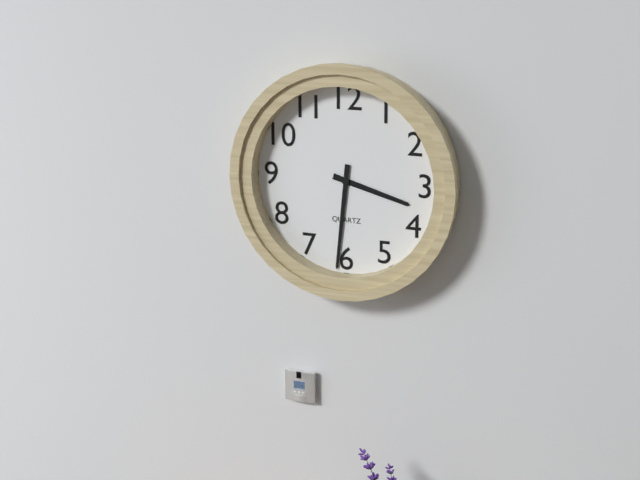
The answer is 3:31
